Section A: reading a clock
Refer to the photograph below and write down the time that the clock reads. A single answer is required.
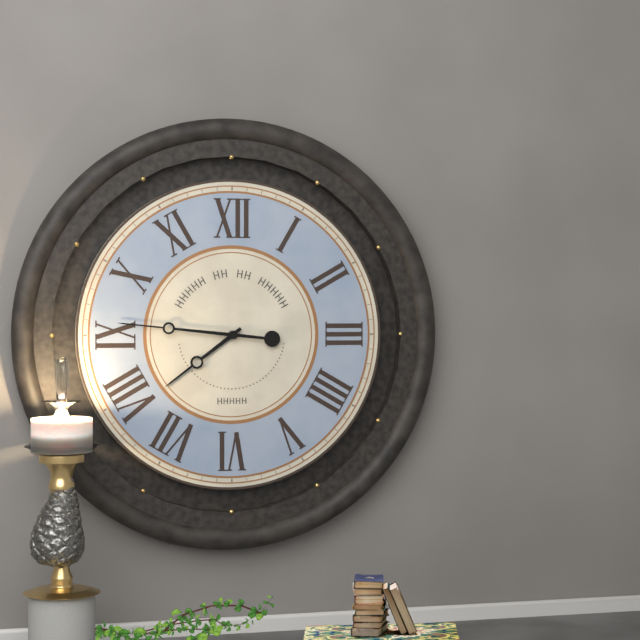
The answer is 7:46
